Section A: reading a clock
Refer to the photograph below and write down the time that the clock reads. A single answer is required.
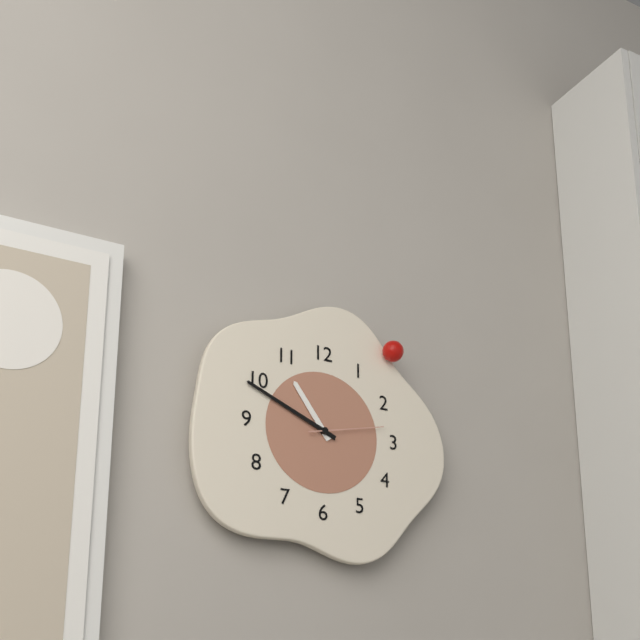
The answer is 10:49:13
